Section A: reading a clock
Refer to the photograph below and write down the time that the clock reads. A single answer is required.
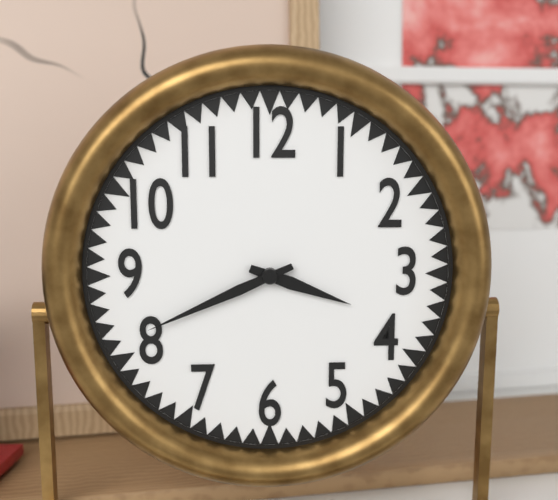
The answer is 3:41
